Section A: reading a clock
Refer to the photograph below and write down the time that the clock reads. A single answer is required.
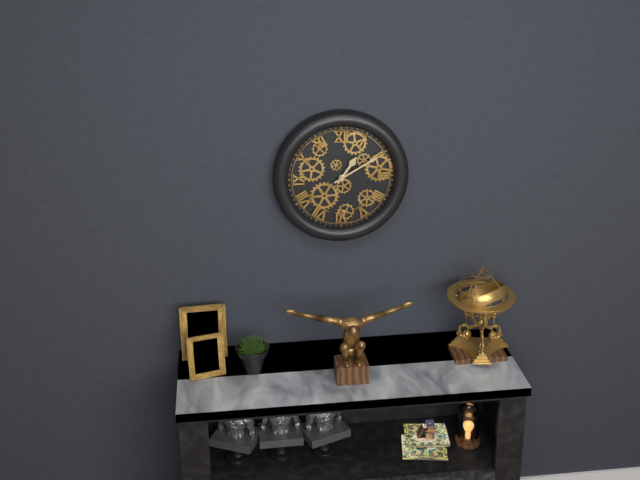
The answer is 1:10
